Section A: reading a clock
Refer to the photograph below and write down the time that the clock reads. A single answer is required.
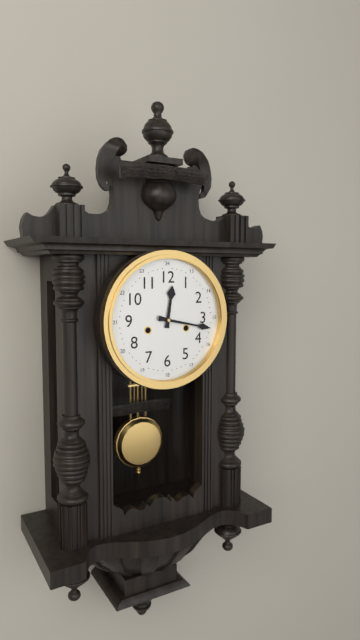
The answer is 12:17
